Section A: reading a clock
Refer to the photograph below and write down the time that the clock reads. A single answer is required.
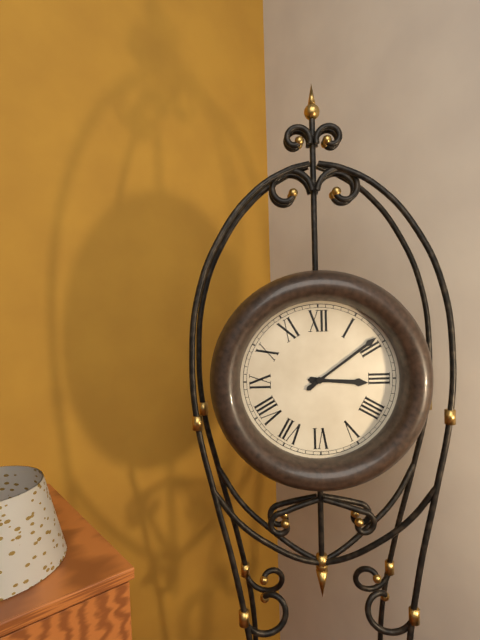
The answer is 3:09
